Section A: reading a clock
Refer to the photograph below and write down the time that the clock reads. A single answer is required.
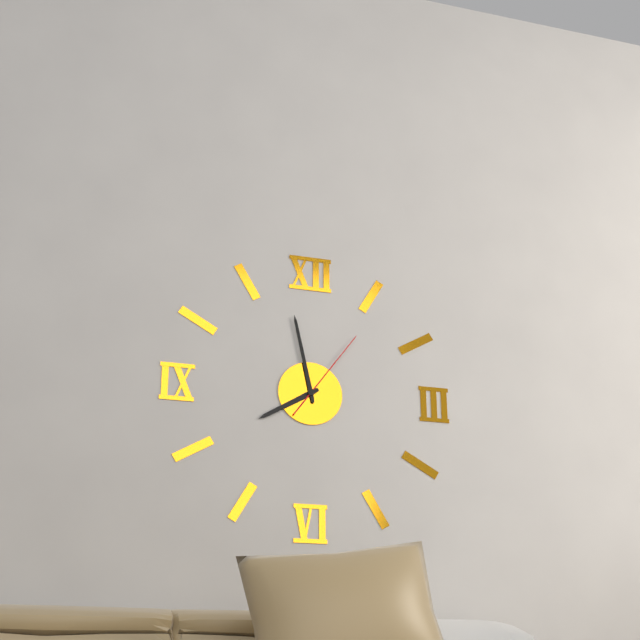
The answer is 7:58:06
